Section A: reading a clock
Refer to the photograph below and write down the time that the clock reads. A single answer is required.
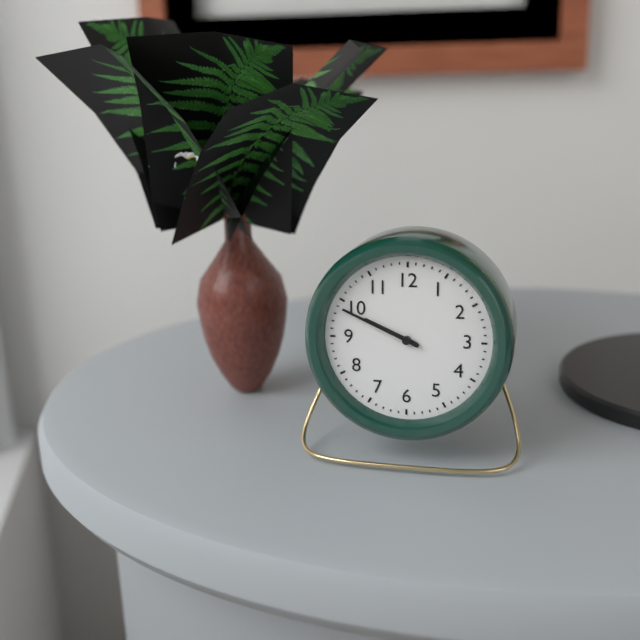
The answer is 9:49
